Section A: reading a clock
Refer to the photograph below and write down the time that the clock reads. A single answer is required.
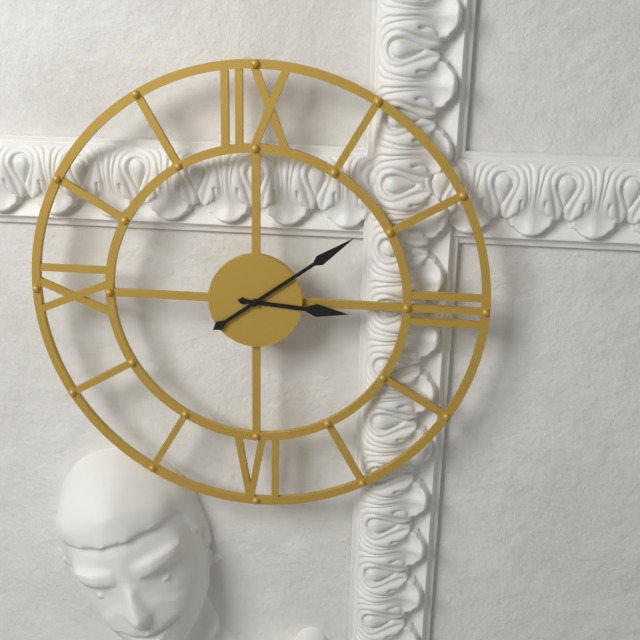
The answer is 3:09
